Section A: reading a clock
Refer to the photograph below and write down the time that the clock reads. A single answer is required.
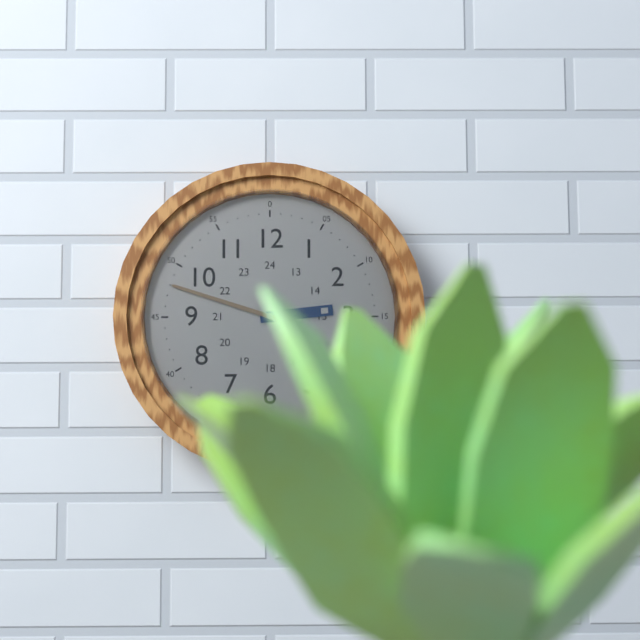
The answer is 2:48
